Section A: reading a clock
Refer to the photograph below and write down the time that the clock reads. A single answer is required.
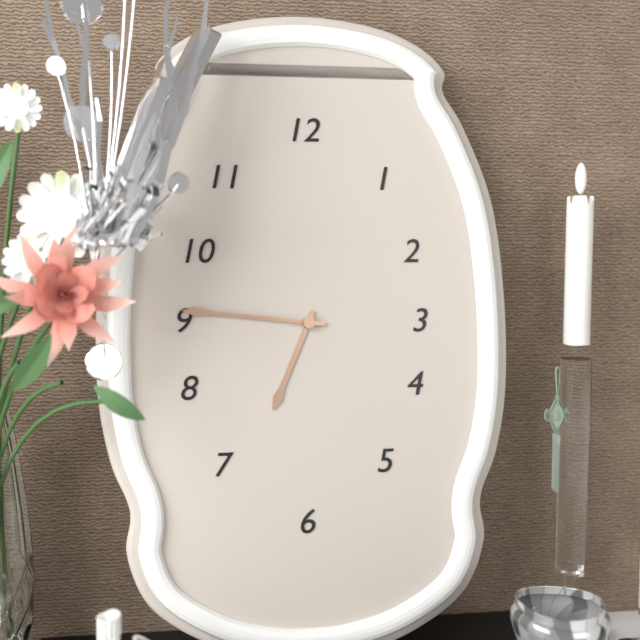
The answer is 6:46
